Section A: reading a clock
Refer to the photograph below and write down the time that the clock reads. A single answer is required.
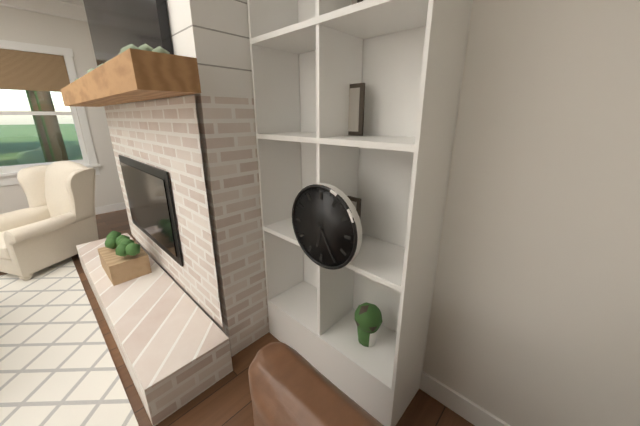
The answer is 6:25
